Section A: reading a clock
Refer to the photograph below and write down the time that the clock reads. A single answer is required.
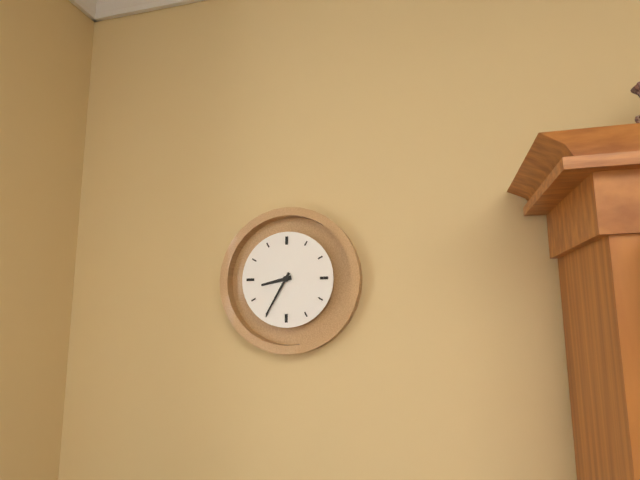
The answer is 8:35
